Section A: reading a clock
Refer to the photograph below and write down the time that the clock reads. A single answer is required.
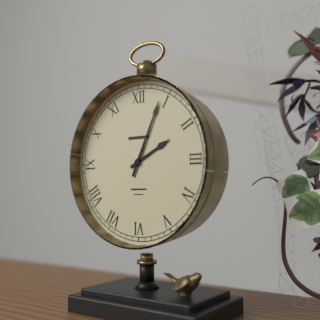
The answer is 2:04
